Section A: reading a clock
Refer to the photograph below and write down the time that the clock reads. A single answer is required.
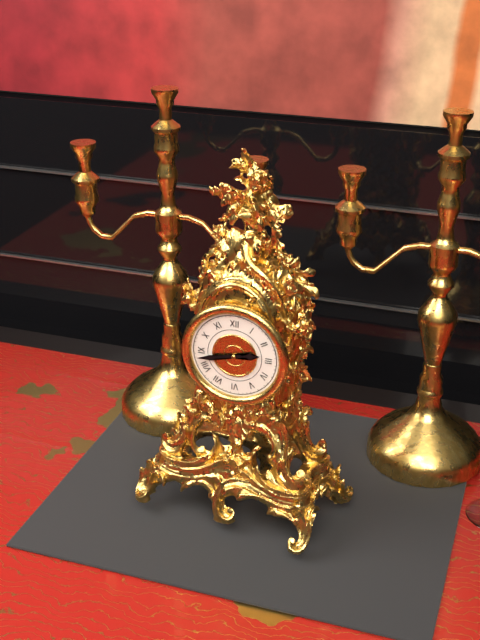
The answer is 2:43
